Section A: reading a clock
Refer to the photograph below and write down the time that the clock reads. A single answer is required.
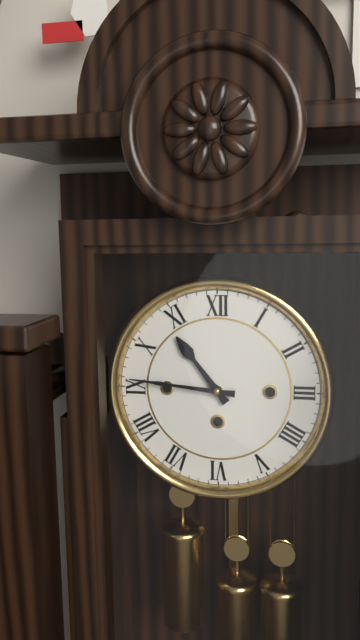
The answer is 10:46
